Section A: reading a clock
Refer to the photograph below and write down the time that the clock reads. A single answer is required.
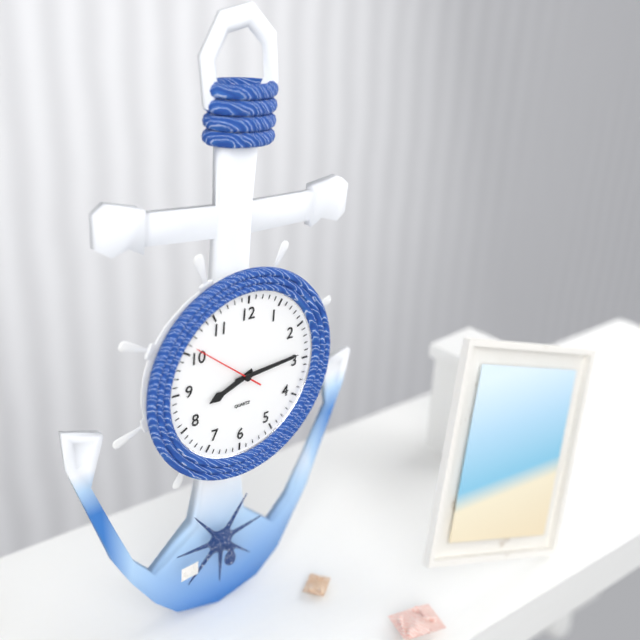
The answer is 8:14:51
